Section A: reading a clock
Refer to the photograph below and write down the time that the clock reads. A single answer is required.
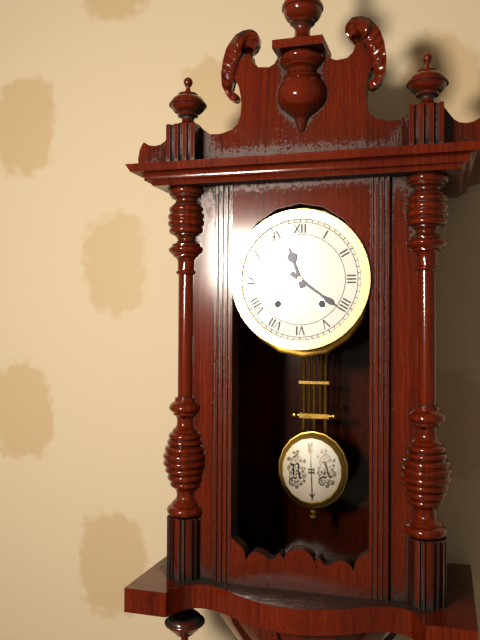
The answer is 11:21
